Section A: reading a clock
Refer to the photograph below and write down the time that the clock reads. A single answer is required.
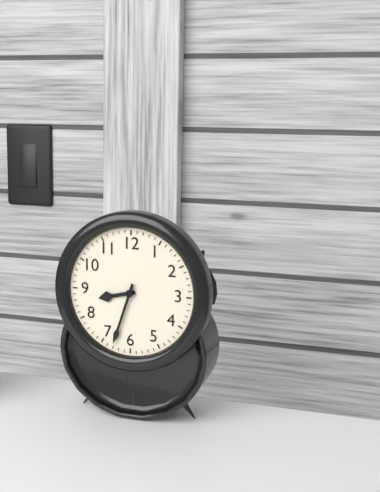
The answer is 8:33
